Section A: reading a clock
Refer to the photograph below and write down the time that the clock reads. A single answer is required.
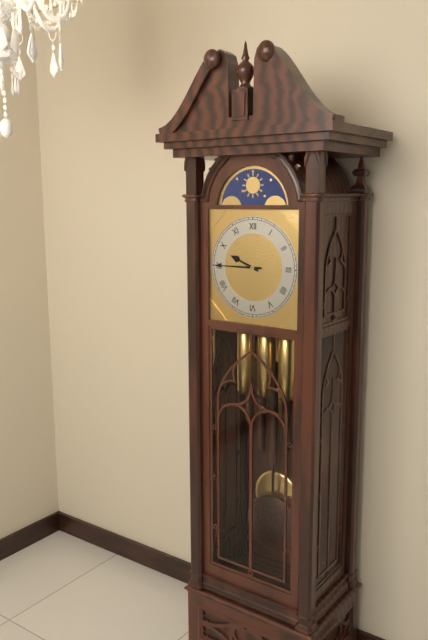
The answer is 9:45
